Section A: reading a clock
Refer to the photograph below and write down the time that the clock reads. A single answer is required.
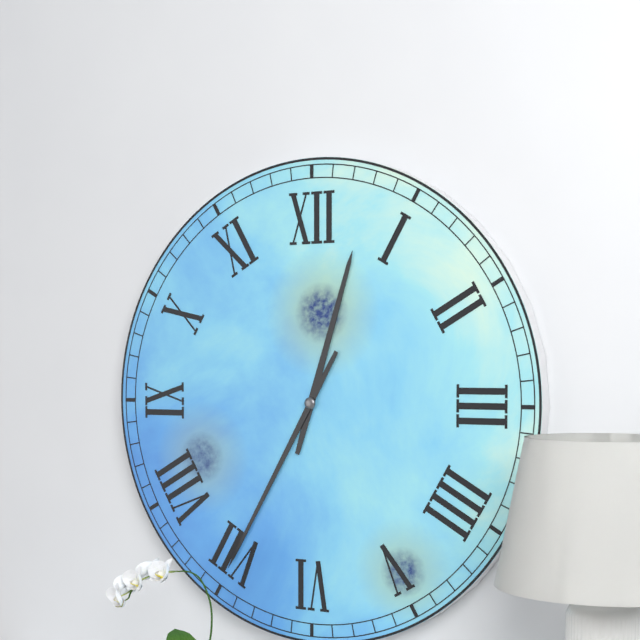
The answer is 12:35
